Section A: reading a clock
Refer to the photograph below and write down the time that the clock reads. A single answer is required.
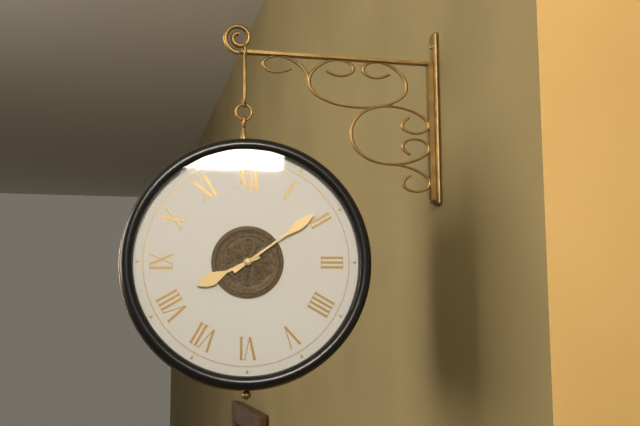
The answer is 8:09
